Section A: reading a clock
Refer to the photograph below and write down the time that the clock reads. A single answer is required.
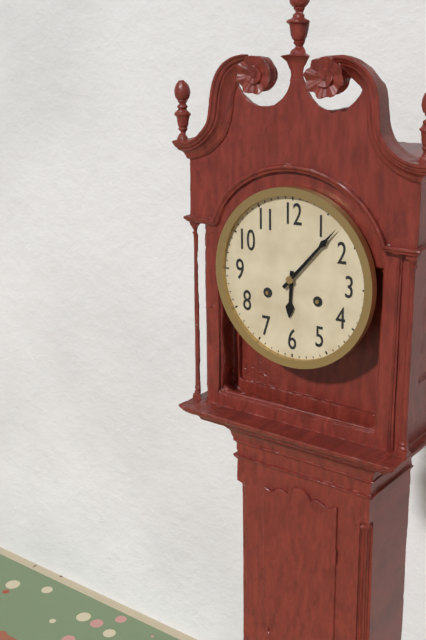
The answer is 6:07
